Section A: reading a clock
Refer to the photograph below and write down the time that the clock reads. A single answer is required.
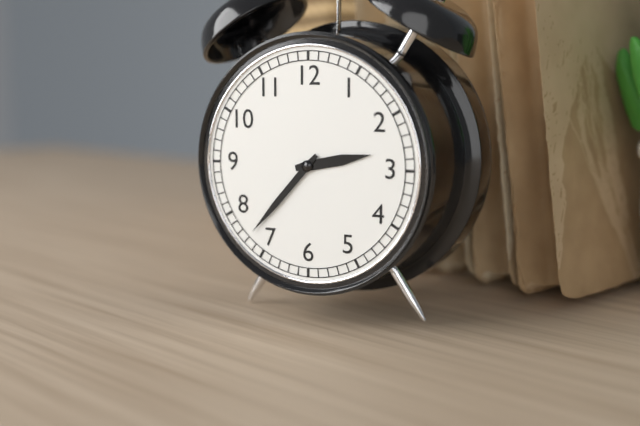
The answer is 2:37
